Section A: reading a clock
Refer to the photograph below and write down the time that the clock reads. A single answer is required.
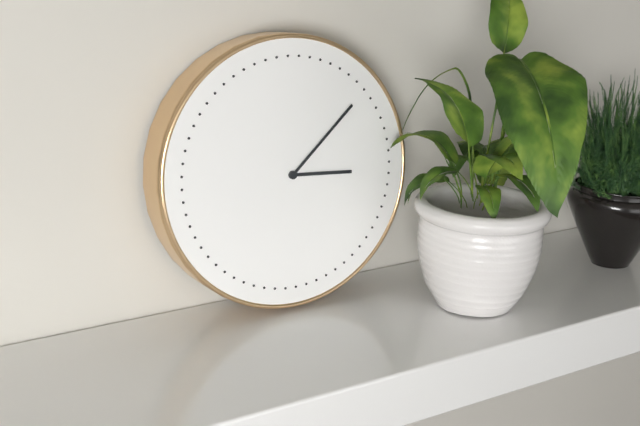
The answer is 3:08
